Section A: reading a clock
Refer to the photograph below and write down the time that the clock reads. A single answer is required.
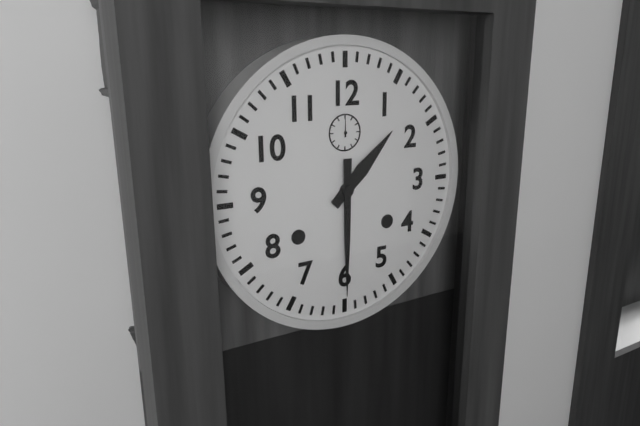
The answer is 1:30
